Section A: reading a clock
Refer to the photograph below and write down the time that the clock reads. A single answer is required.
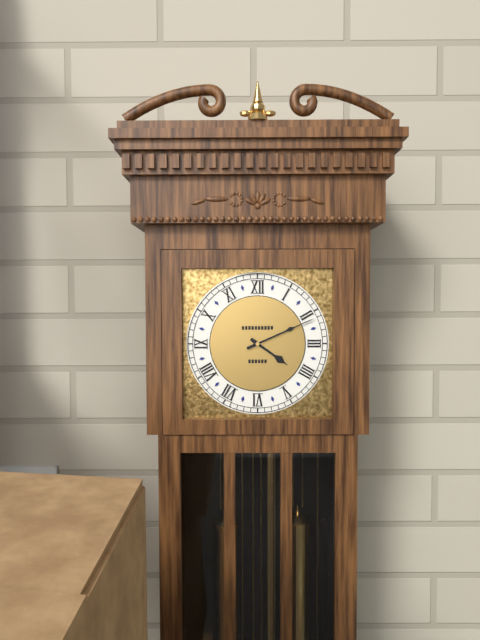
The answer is 4:11
